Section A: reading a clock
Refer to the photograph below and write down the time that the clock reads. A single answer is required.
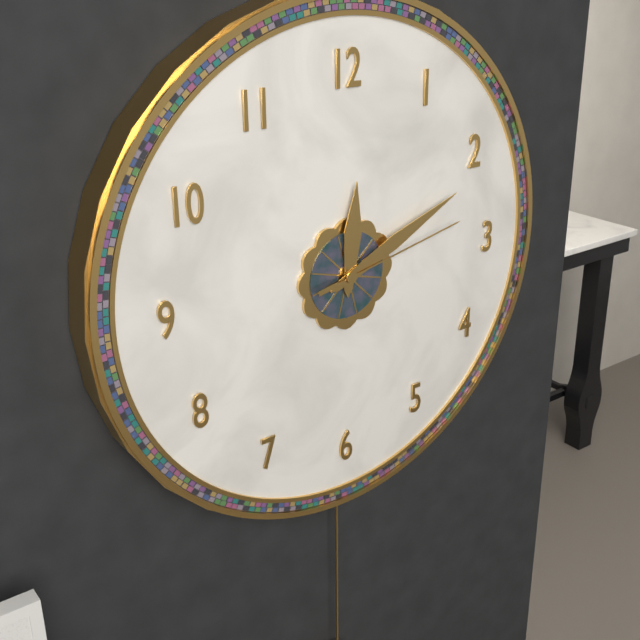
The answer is 12:11:13
